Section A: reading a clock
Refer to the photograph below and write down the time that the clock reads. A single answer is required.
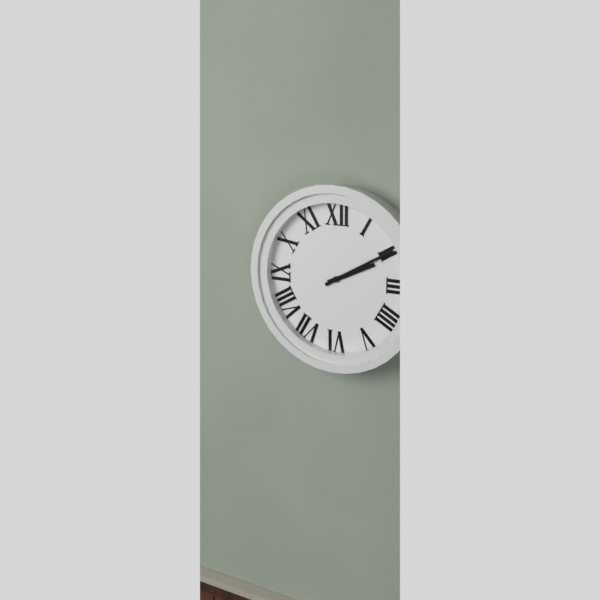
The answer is 2:10
